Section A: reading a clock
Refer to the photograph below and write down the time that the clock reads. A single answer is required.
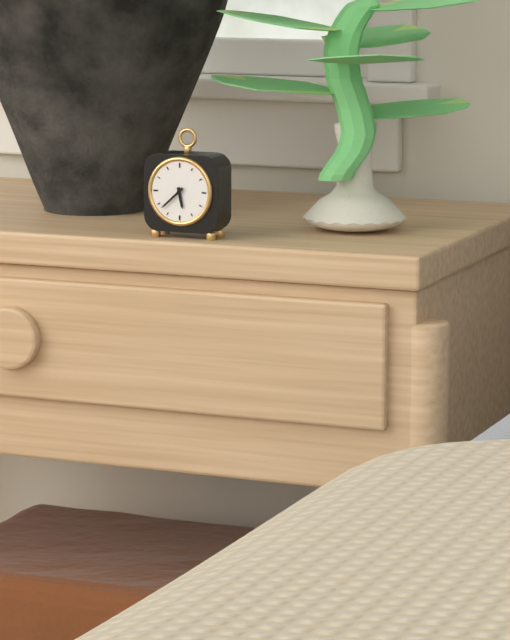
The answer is 5:38
